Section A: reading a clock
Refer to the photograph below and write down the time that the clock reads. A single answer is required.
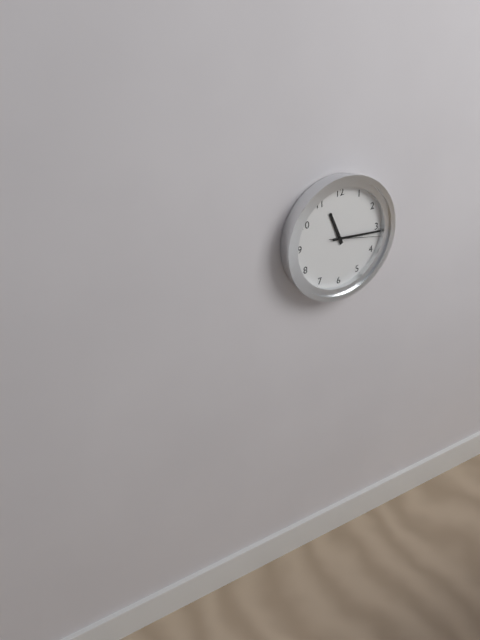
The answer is 11:16:17
